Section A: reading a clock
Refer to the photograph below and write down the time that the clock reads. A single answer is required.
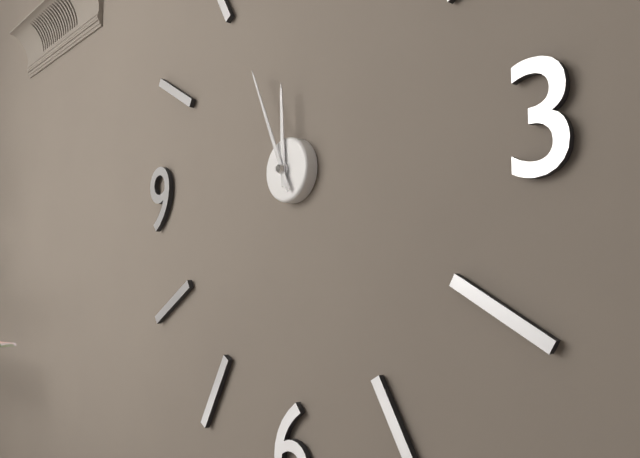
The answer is 11:56
